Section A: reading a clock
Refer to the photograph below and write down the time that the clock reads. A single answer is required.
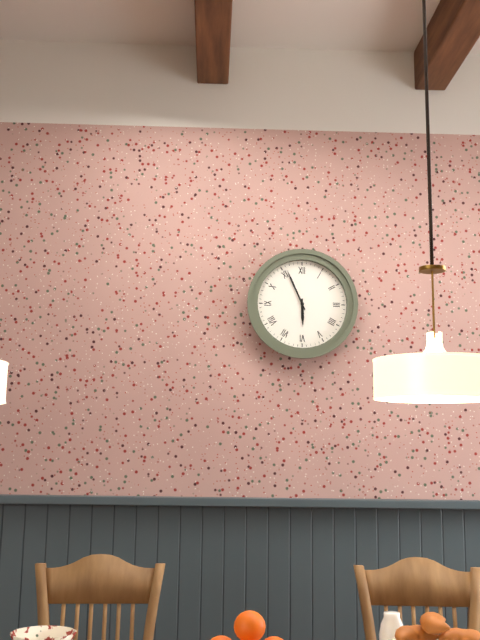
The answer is 5:56
